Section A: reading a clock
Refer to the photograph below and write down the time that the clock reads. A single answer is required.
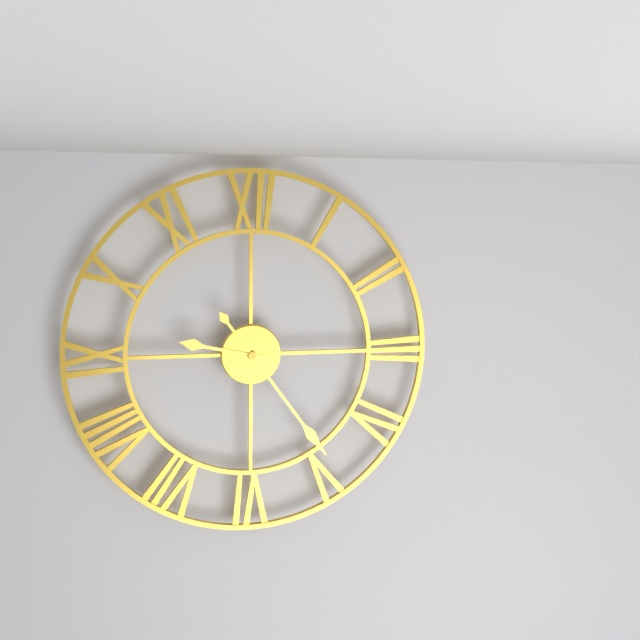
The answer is 9:24
